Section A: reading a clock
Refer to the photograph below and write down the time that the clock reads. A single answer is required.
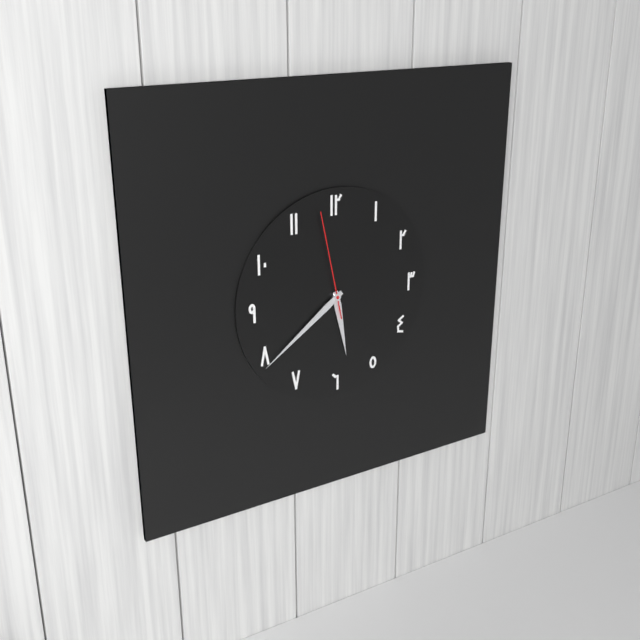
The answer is 5:39:58
